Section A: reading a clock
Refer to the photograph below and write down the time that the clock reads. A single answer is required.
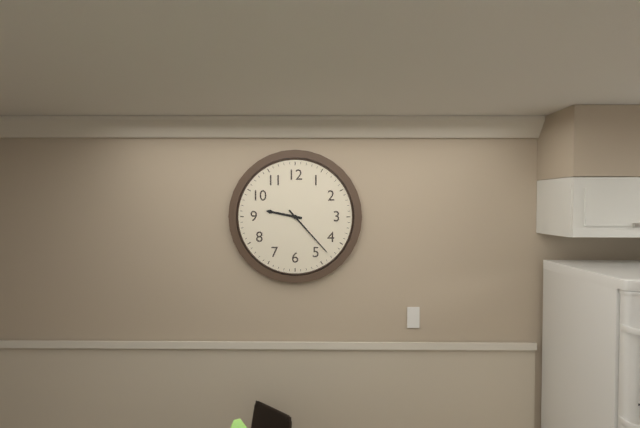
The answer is 9:23
